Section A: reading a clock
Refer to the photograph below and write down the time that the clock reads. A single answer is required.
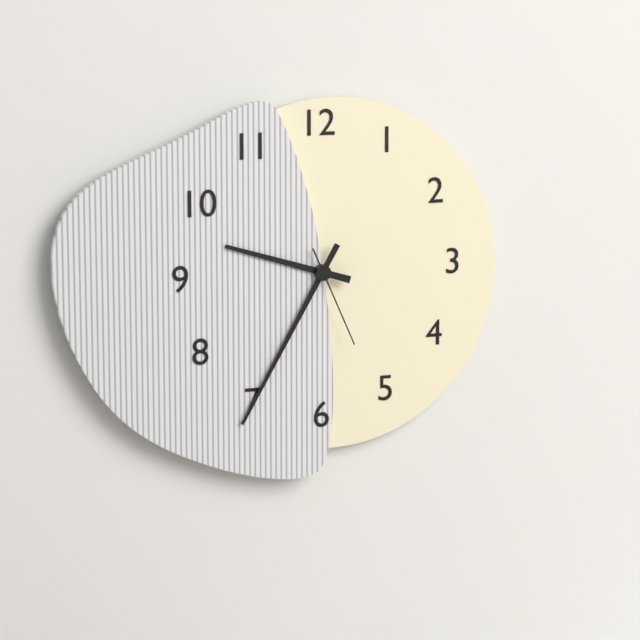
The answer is 9:35:26
